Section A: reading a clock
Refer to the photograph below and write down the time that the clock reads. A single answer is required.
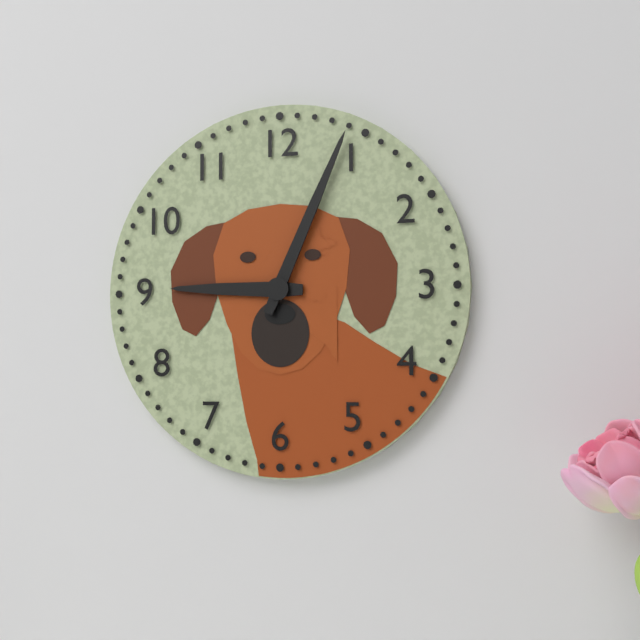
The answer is 9:04
